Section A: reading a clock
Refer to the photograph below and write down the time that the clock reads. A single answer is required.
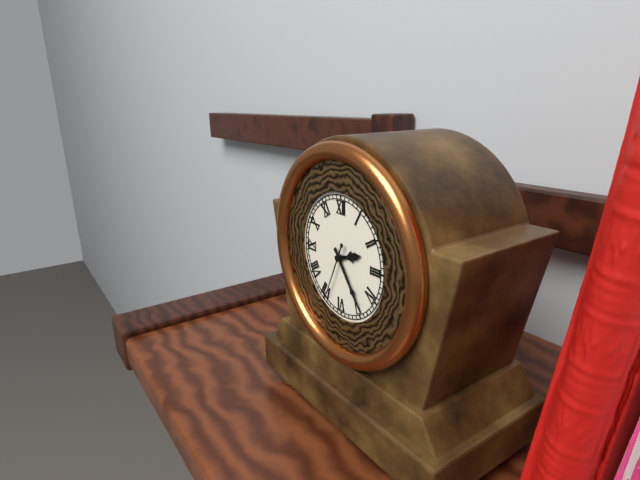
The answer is 2:24:34
